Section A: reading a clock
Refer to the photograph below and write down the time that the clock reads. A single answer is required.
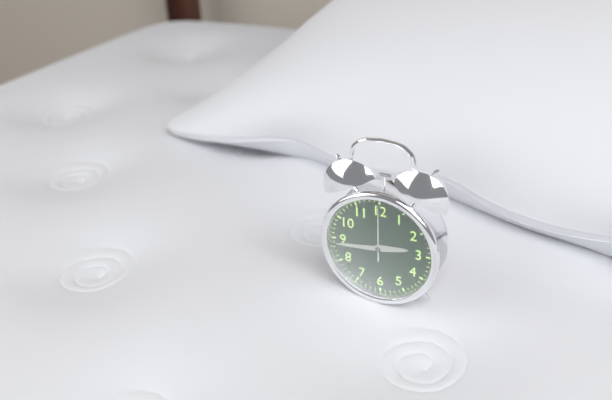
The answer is 2:44:00
